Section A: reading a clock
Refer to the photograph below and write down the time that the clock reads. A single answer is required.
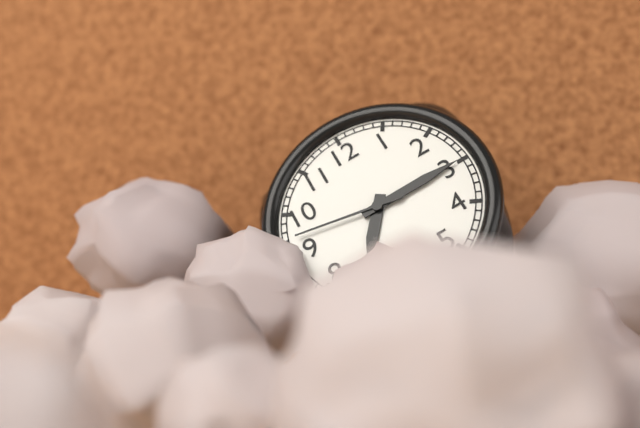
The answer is 7:15:47
